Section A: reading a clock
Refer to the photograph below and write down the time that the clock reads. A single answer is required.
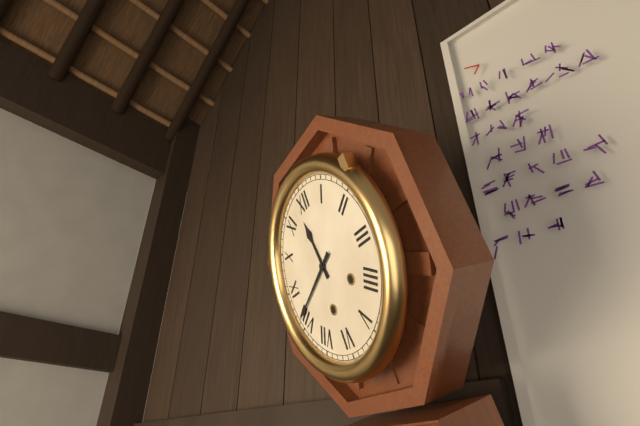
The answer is 11:41
